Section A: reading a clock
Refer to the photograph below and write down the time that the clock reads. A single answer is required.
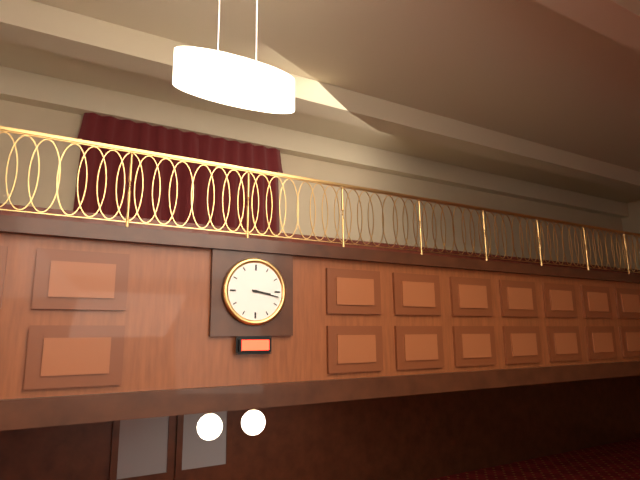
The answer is 3:17
